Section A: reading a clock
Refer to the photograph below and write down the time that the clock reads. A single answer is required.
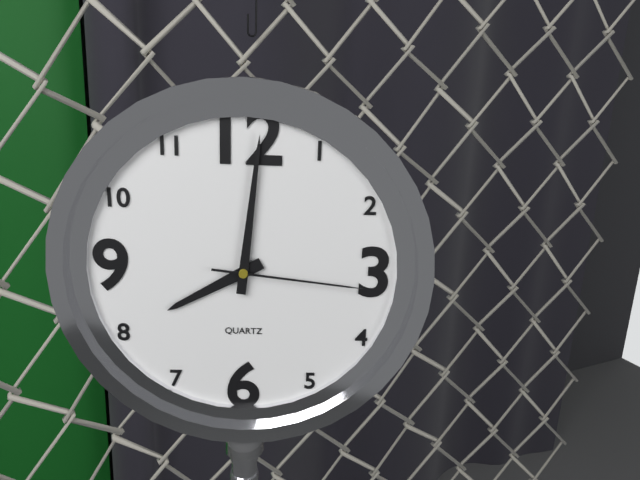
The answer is 8:01:16
